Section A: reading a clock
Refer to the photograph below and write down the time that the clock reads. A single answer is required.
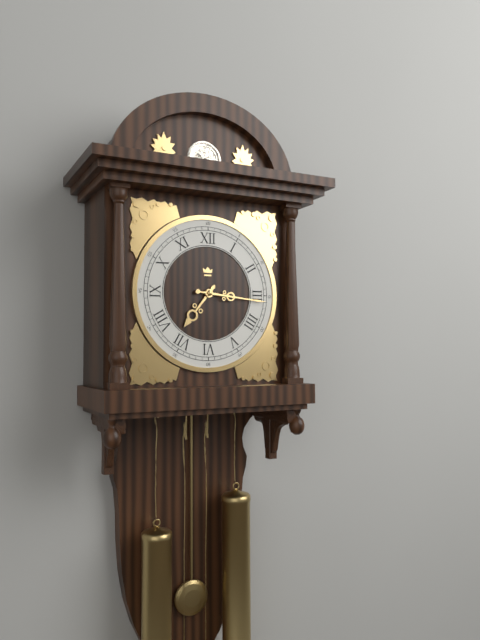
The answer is 7:16
